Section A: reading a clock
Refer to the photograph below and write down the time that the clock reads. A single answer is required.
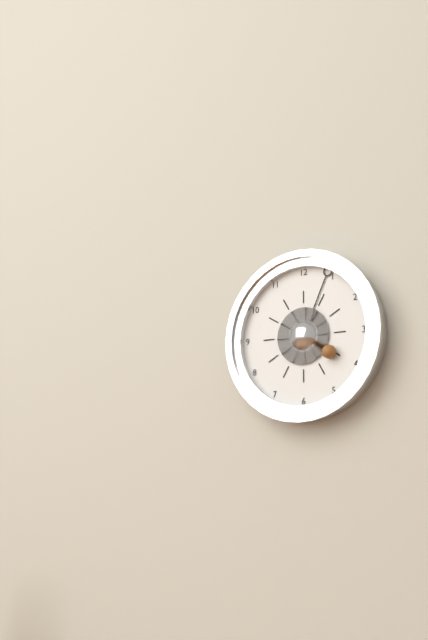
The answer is 4:04
